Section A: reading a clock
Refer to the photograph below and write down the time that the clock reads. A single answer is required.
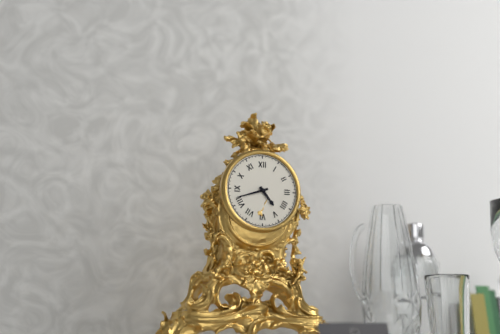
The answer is 4:42
